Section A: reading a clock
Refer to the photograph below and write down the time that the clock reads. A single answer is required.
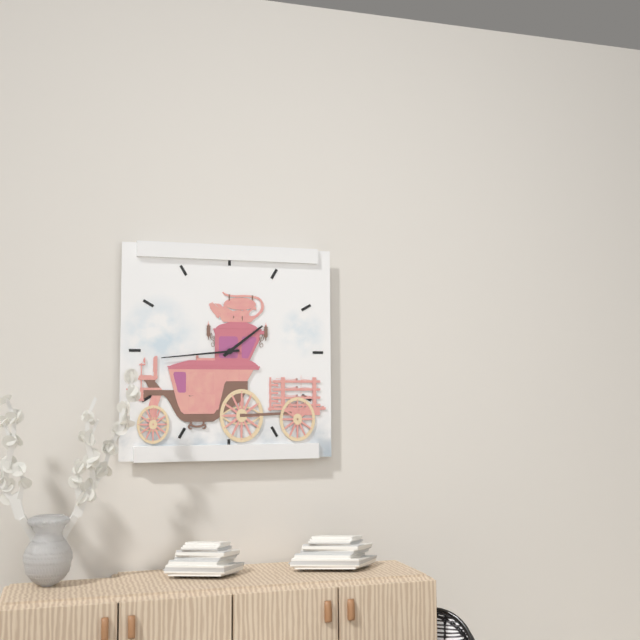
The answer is 1:44
